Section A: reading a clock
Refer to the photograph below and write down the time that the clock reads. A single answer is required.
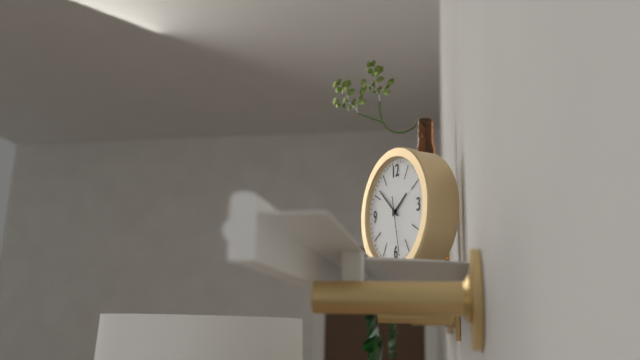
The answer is 1:52:28
